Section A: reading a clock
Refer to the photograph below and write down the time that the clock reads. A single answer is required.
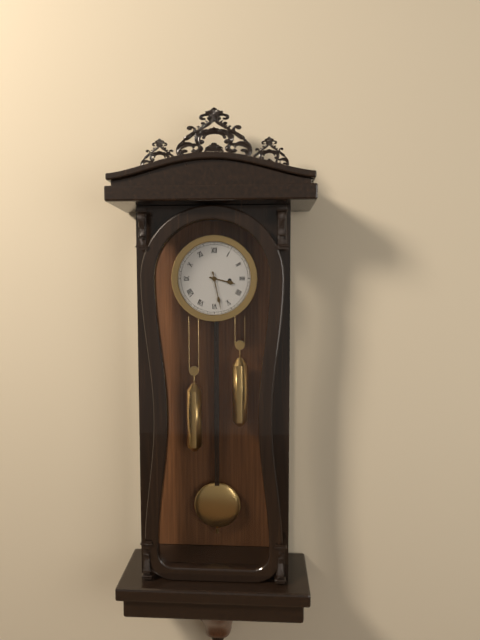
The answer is 3:28
